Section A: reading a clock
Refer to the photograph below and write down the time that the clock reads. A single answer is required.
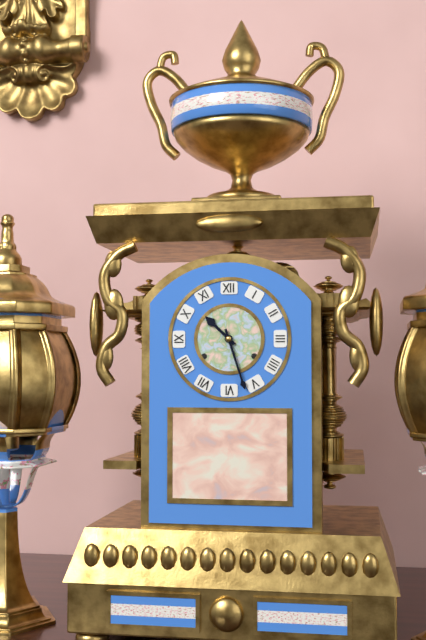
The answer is 10:27
